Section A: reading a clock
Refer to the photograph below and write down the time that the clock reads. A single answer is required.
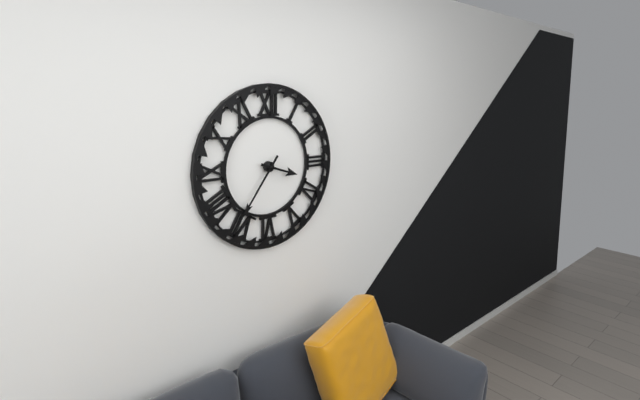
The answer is 3:36
